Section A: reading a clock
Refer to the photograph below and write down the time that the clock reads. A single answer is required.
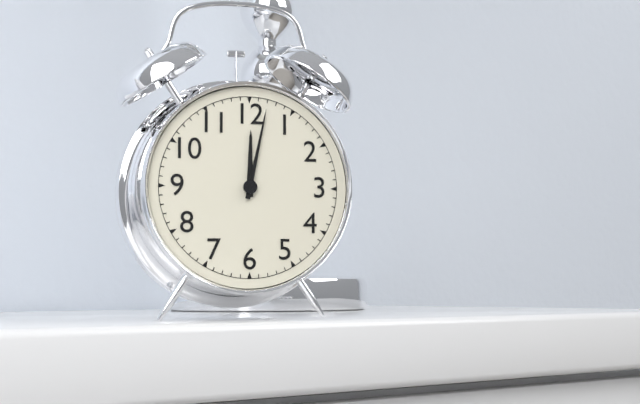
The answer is 12:02
